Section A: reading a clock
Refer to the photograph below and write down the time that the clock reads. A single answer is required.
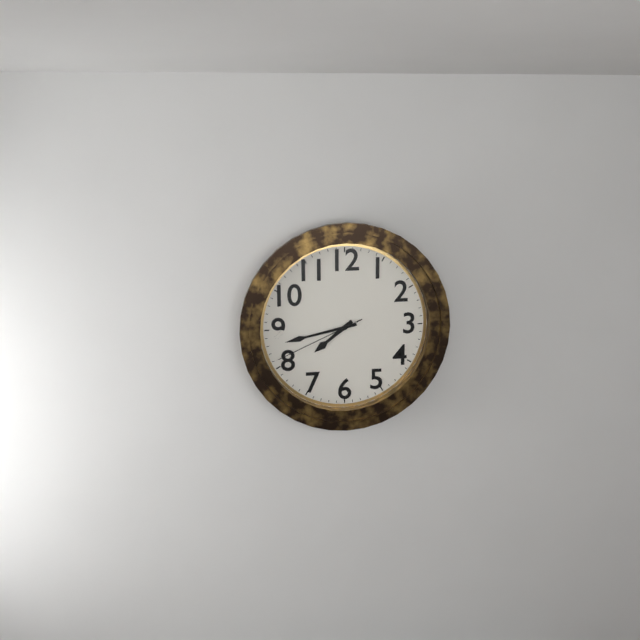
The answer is 7:43:41
